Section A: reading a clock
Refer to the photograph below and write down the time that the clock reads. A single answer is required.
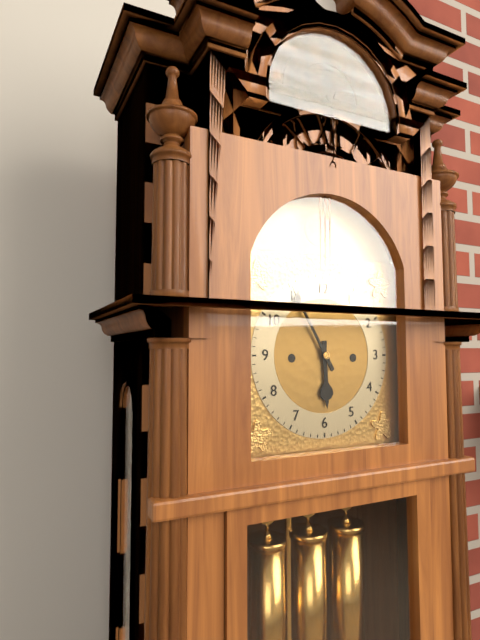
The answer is 5:55
